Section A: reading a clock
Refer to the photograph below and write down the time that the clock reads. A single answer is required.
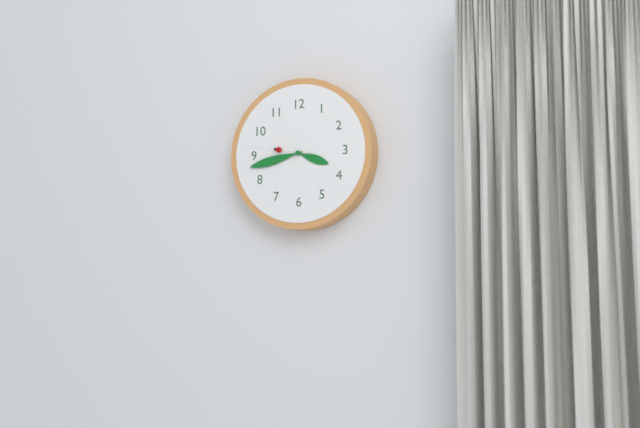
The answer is 3:43:47
